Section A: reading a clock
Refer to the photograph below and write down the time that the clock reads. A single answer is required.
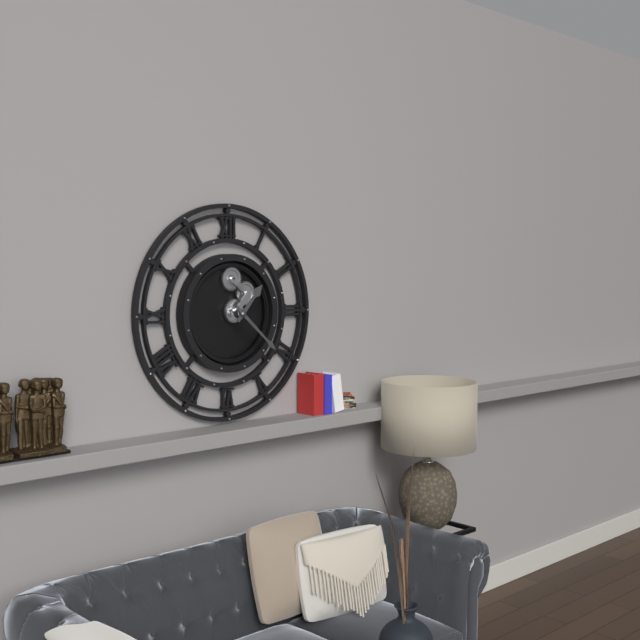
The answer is 1:22
